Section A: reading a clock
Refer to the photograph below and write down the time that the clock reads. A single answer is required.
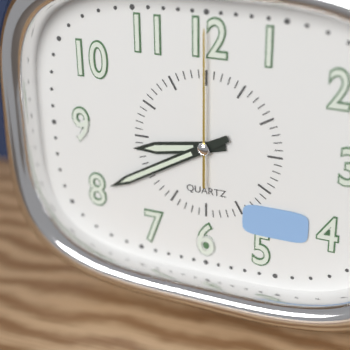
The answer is 8:40:00
